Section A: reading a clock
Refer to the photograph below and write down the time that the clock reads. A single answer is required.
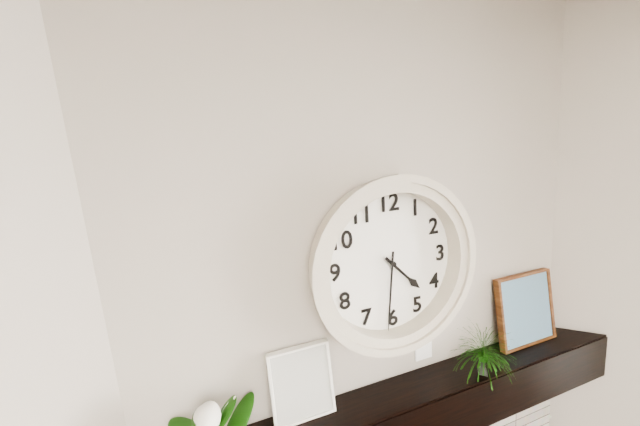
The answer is 4:31
